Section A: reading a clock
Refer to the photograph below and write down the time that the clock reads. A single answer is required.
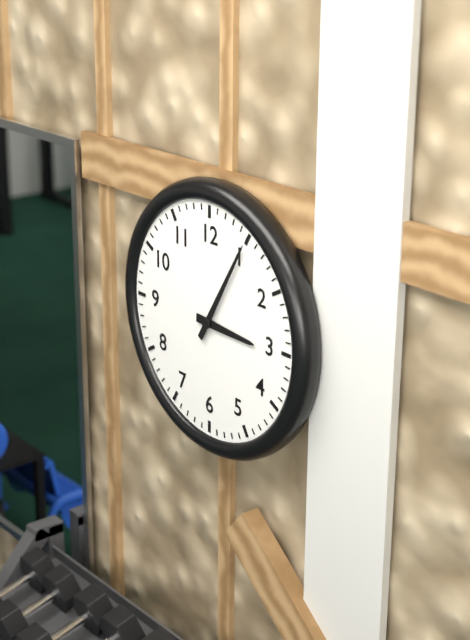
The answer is 3:05
